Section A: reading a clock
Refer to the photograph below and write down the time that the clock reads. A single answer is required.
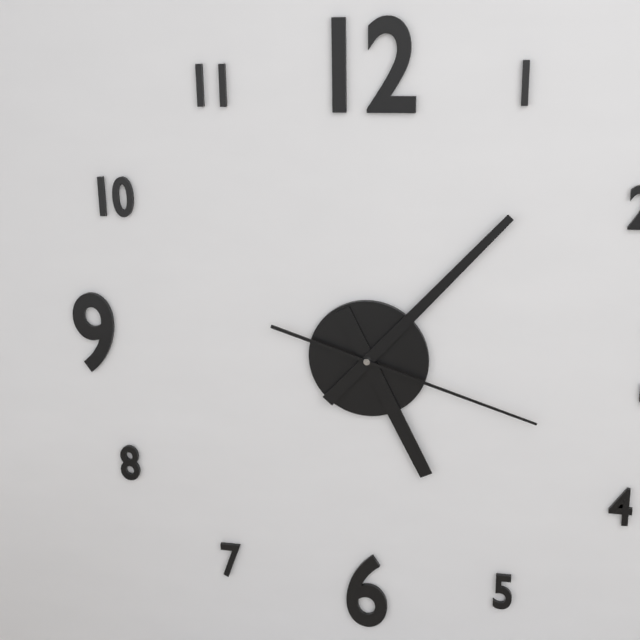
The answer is 5:07:18
